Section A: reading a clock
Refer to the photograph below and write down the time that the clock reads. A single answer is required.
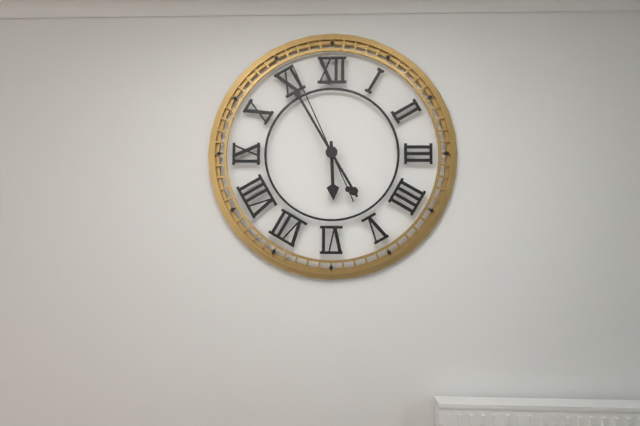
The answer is 5:55:56
